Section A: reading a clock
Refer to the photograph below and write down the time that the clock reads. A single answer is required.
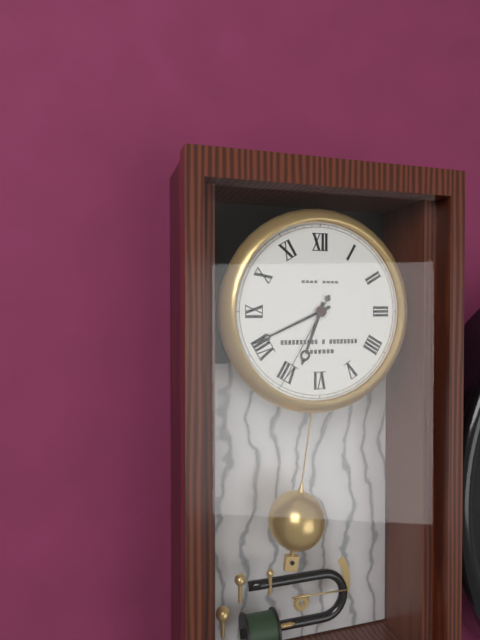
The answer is 6:41:35
